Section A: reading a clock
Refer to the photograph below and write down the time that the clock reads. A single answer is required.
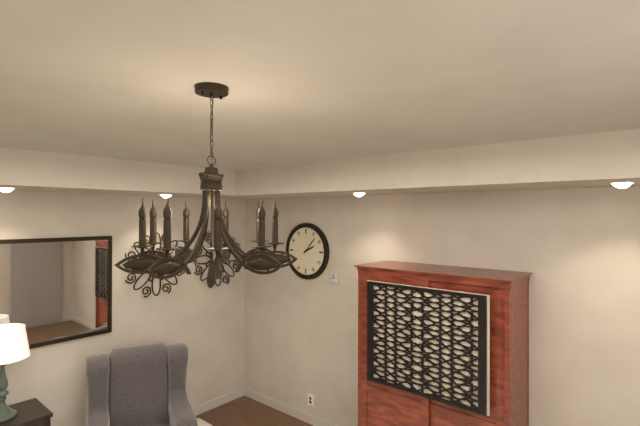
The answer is 2:07
